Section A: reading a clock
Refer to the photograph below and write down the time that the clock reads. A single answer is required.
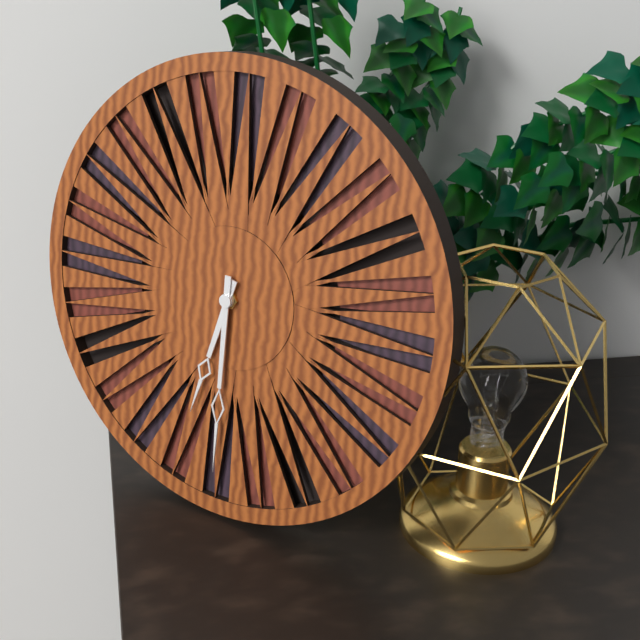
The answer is 6:30
